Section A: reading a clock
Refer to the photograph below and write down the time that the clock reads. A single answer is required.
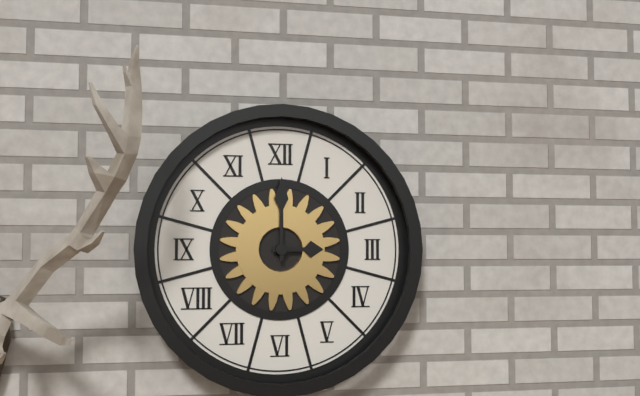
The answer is 3:00
